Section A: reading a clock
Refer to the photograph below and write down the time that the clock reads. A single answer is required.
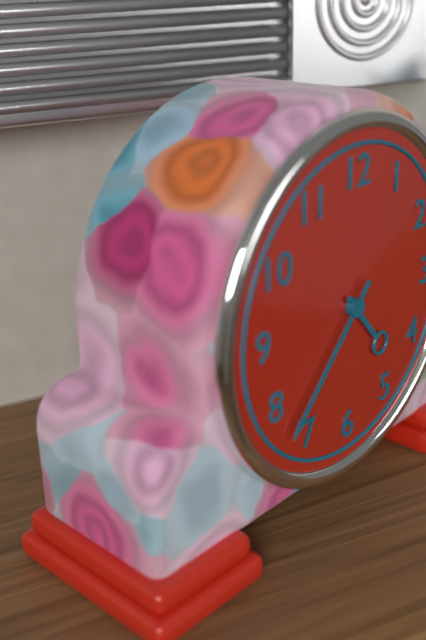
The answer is 4:37
